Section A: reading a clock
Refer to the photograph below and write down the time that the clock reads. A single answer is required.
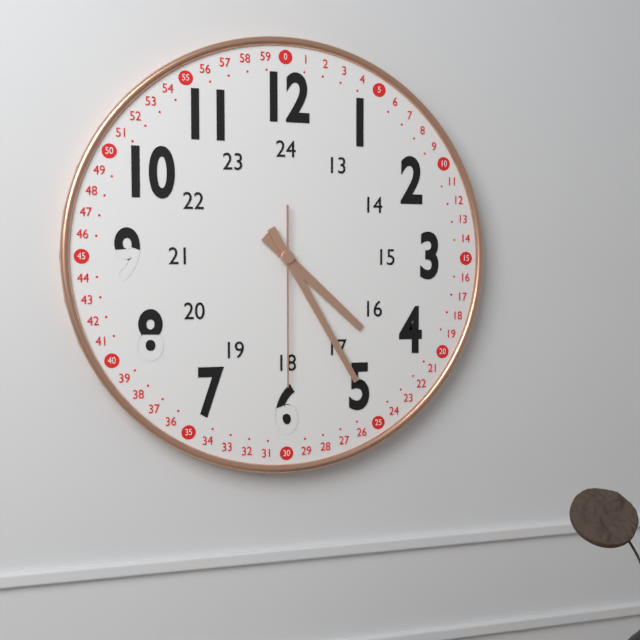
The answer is 4:25:30
